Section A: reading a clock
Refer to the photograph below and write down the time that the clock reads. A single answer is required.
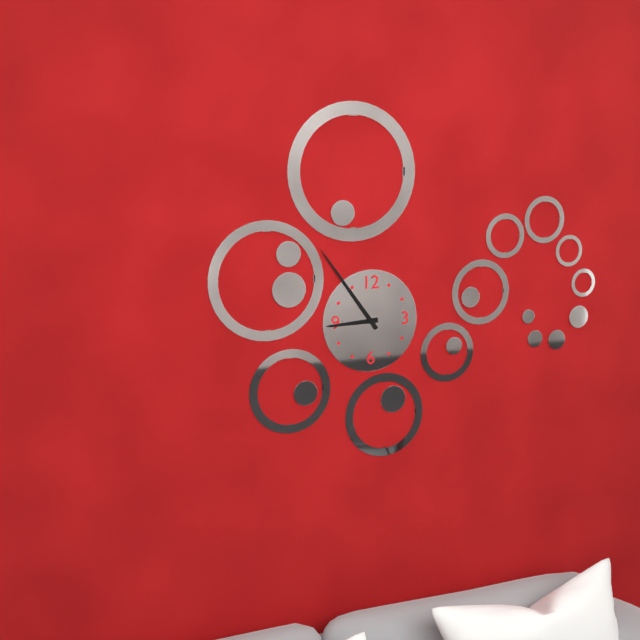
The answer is 8:54
